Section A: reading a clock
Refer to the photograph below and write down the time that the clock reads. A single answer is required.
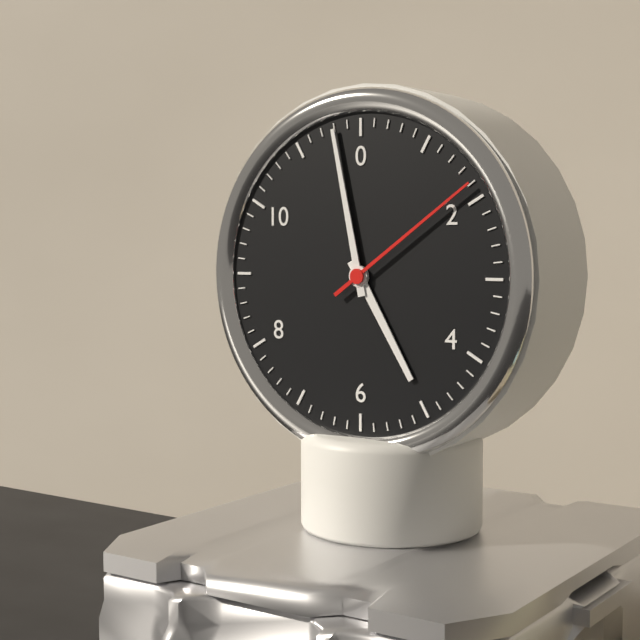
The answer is 4:58:09
